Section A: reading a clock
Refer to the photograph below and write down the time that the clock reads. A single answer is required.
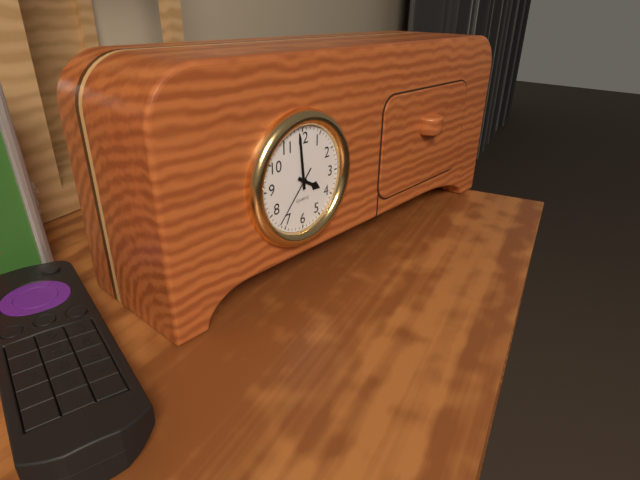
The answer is 3:59:37
